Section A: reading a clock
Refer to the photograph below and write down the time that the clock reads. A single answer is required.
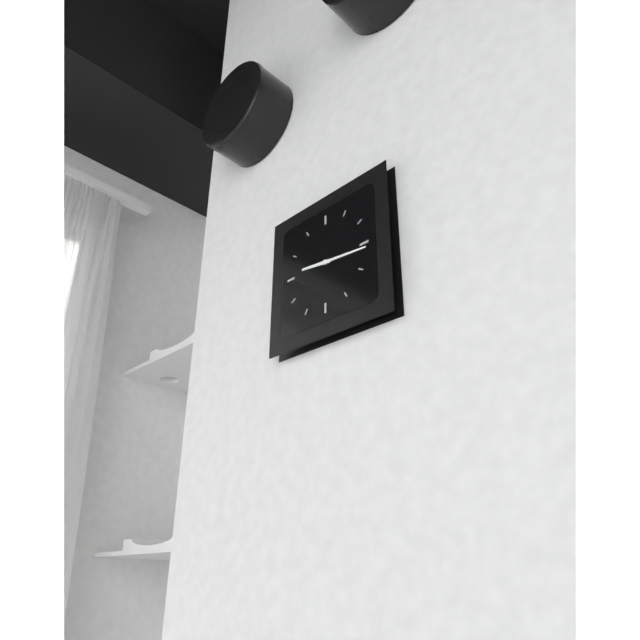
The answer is 9:16
